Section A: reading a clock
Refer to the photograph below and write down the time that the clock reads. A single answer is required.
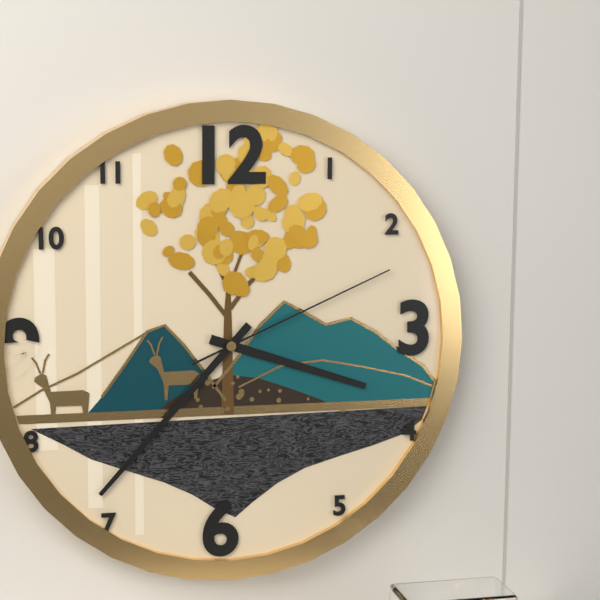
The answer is 3:37:11
